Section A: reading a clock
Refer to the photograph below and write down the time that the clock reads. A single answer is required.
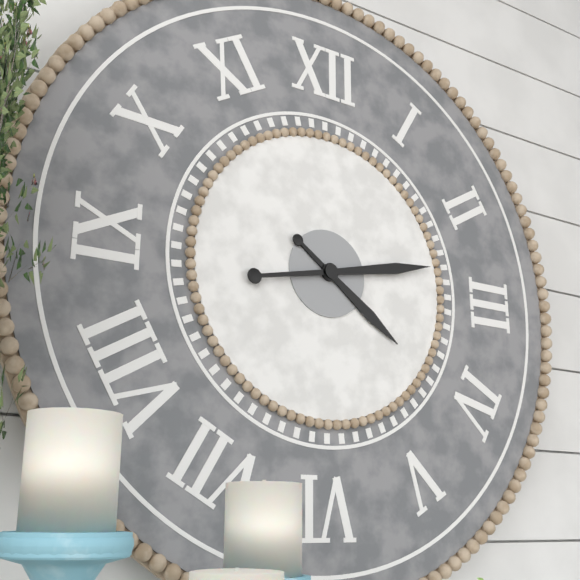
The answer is 4:13
